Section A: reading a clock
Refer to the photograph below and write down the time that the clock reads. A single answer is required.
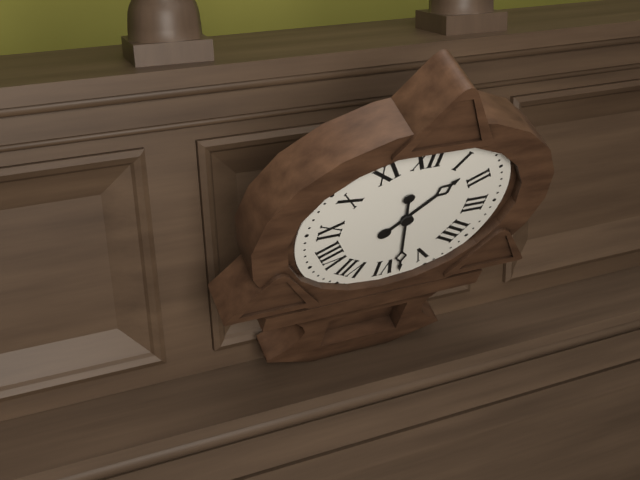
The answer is 1:28
